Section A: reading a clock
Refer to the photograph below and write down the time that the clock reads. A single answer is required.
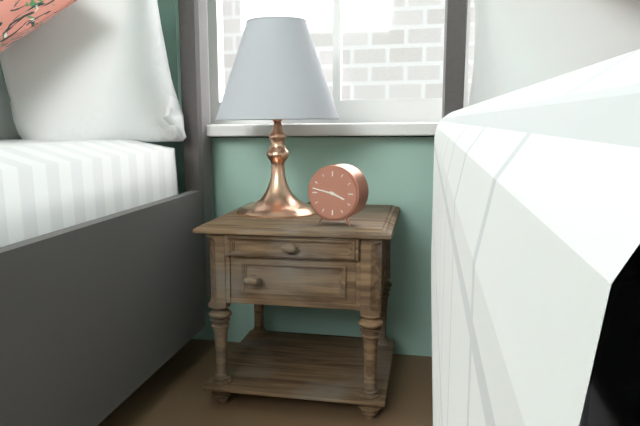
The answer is 3:47
